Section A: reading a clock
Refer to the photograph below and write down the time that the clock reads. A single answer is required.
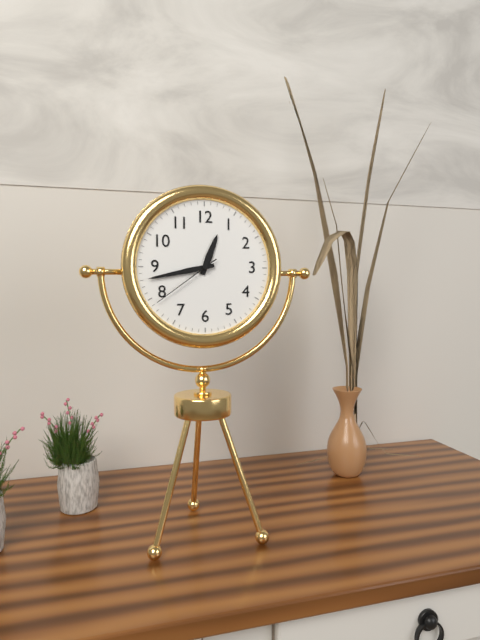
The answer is 12:43:39
